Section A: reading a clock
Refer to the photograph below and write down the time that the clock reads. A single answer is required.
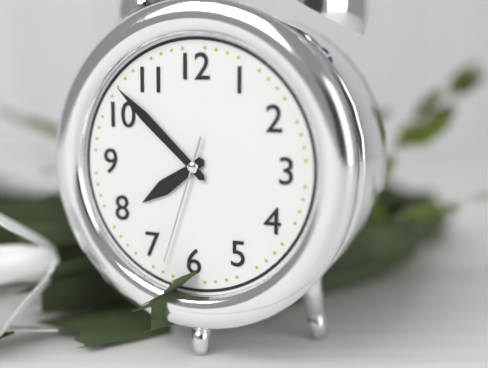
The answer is 7:52:33
